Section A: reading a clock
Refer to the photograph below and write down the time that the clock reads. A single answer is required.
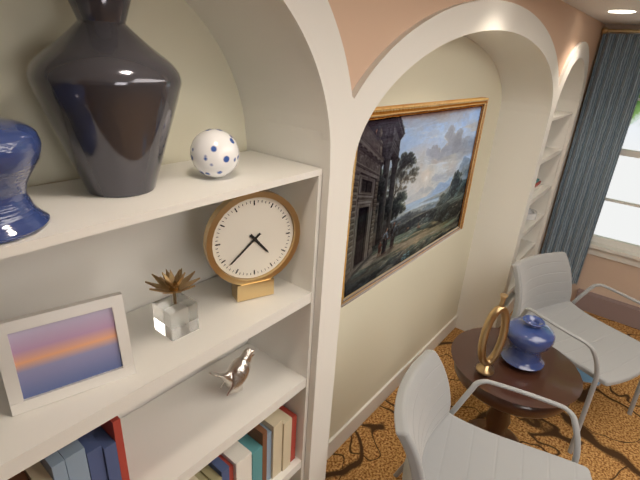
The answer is 4:38
